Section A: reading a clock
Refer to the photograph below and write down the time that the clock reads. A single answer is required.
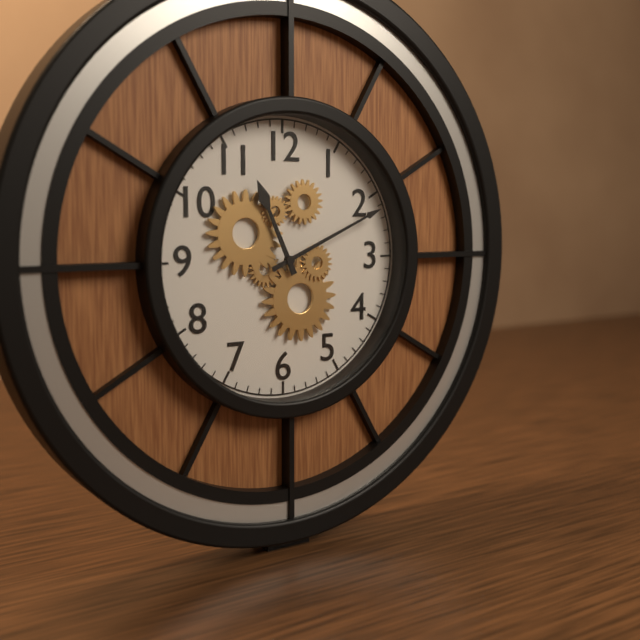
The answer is 11:11
